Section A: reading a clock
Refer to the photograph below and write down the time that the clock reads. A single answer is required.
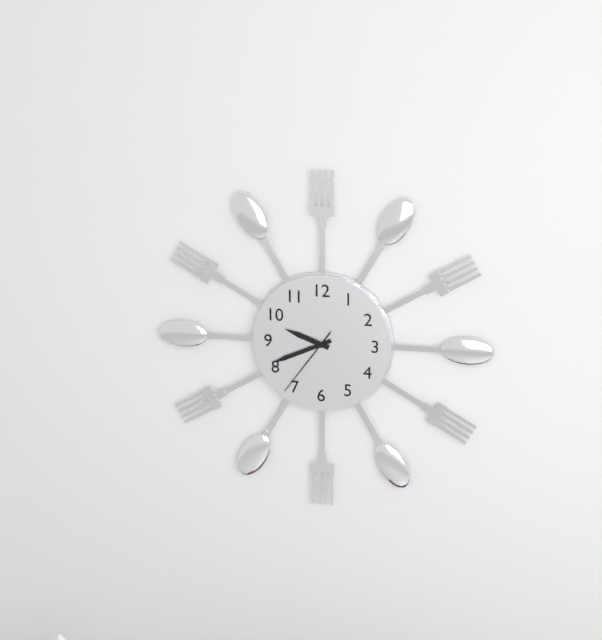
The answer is 9:41:36
